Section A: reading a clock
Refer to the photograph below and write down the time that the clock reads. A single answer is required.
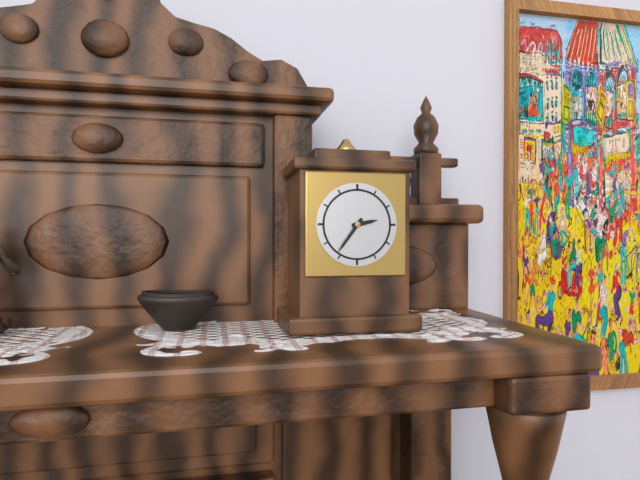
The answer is 2:36
